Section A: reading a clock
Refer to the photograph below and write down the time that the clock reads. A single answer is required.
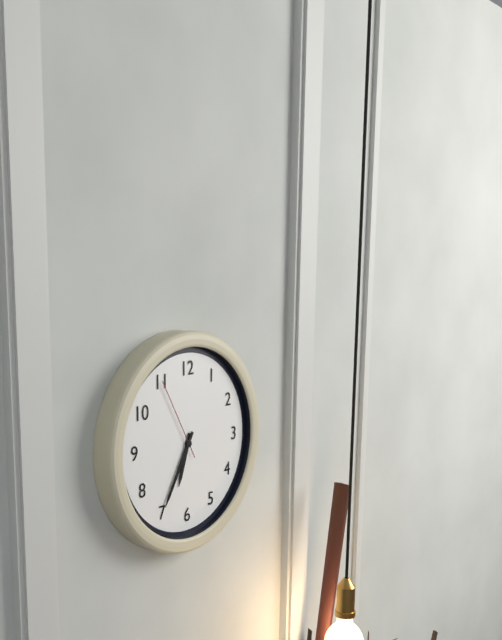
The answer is 6:35:55
